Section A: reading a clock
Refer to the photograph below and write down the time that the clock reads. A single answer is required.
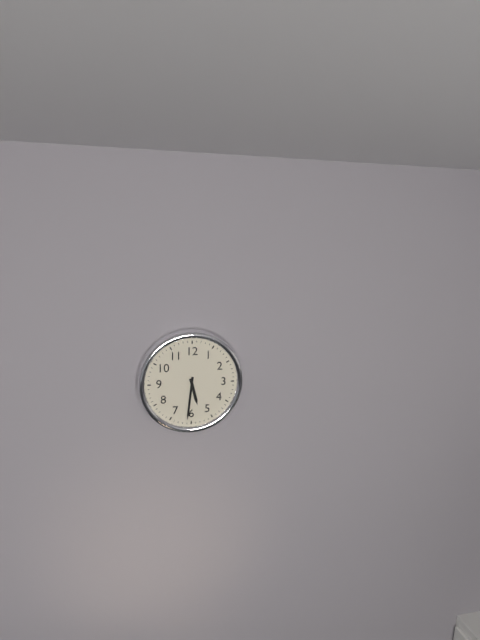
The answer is 5:31
